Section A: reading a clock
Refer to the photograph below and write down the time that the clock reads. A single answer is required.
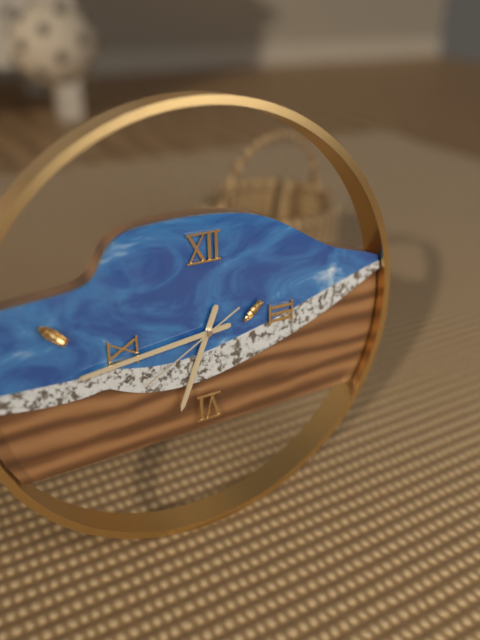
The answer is 6:44:40
